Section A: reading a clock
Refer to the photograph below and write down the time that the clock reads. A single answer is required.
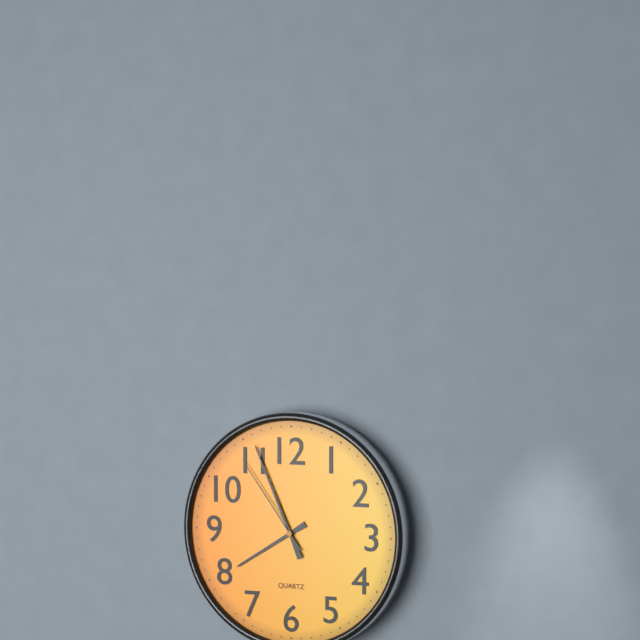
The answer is 7:56:54
